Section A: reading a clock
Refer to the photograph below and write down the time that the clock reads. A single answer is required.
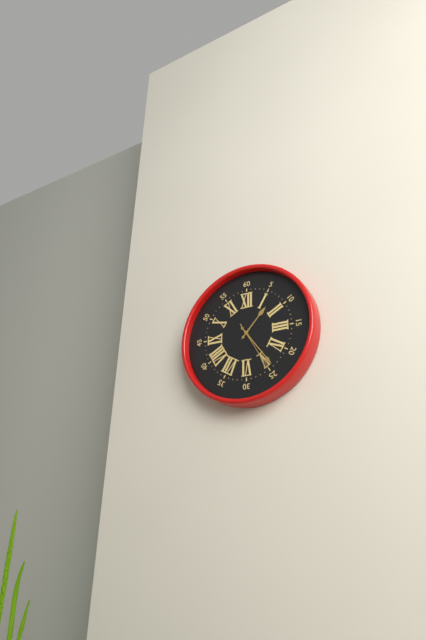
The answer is 1:24
